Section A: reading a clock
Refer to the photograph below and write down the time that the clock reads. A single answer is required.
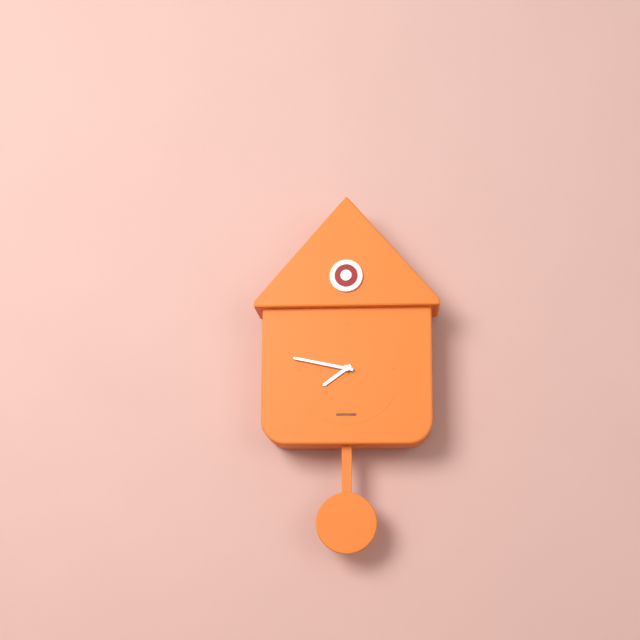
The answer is 7:47
